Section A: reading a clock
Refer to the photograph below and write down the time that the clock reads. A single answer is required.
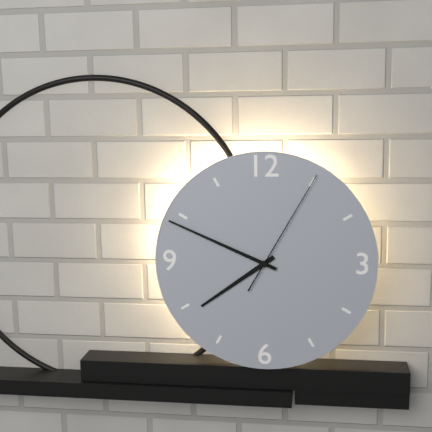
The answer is 7:49:05
